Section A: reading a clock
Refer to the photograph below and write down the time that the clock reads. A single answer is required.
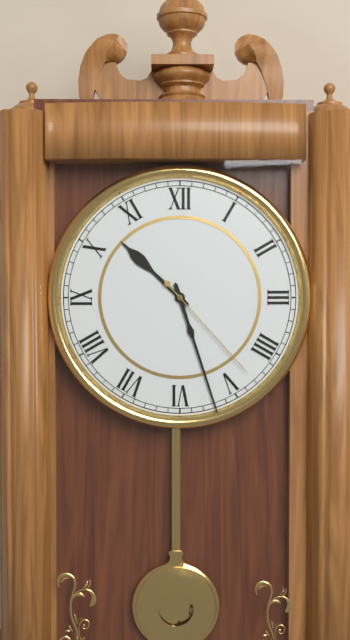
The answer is 10:27:23
